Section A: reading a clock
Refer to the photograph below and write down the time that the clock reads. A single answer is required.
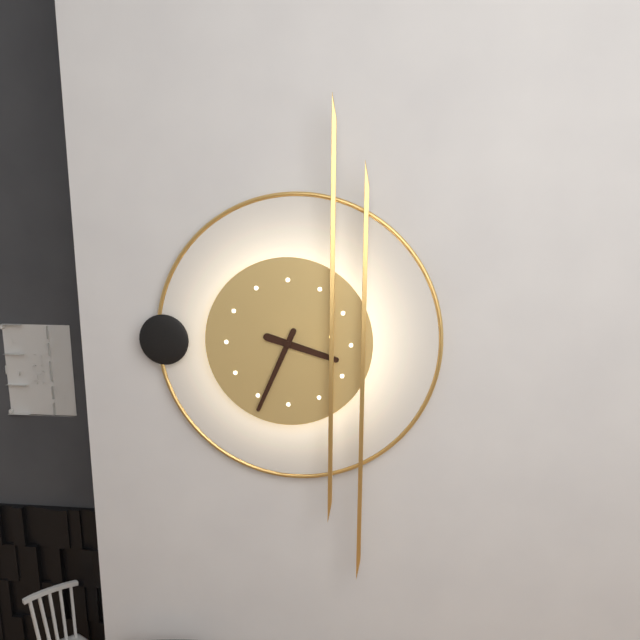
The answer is 3:34
